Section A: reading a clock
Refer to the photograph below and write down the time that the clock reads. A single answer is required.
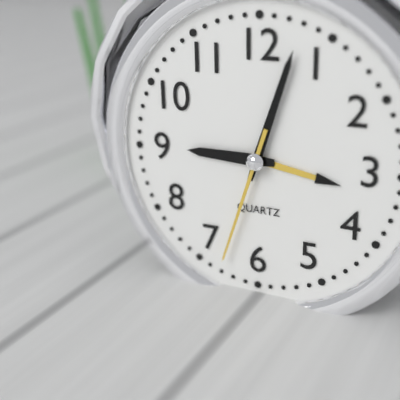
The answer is 9:03:33
